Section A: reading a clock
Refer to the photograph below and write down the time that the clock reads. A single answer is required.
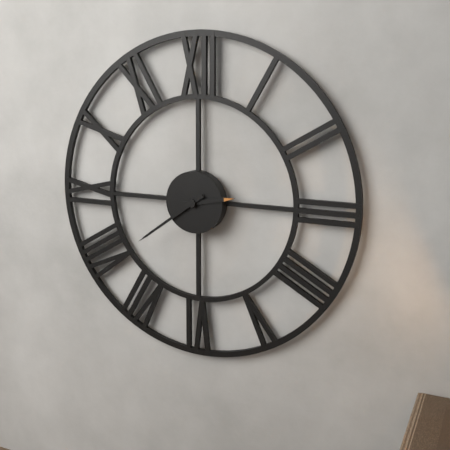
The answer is 2:39
